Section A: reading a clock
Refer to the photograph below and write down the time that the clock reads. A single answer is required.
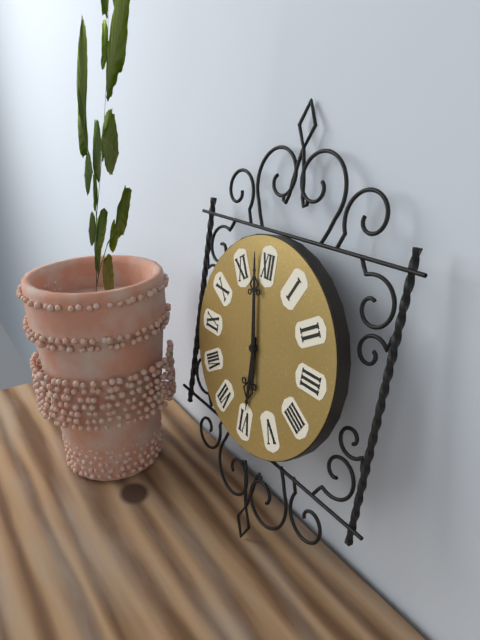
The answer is 5:58
